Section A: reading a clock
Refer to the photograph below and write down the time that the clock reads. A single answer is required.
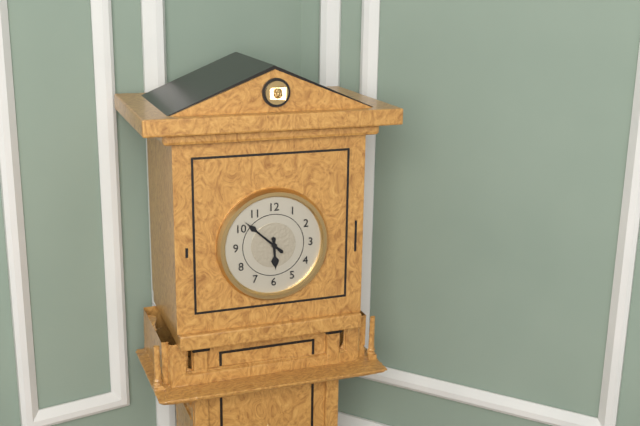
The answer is 5:52
